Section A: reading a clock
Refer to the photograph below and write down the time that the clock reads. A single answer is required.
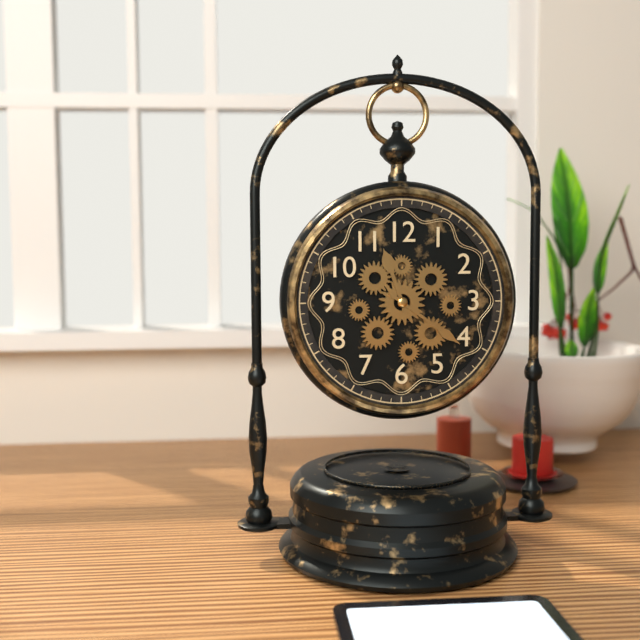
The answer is 11:21
